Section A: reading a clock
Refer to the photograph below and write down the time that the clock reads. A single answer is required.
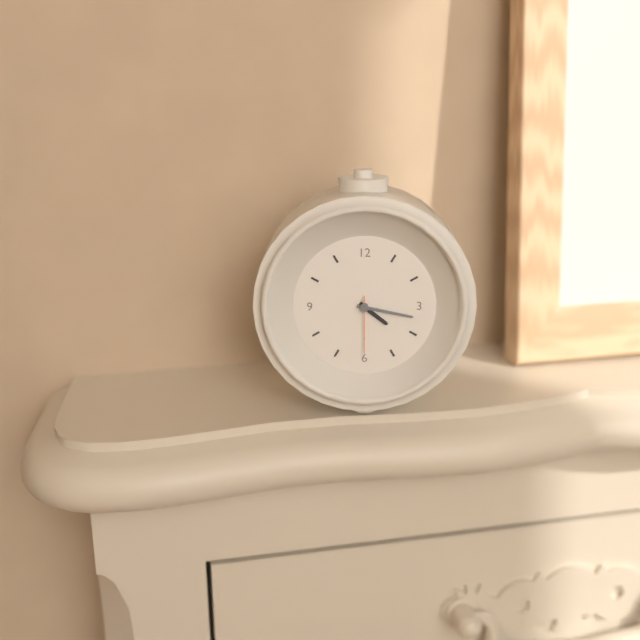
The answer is 4:17:30
